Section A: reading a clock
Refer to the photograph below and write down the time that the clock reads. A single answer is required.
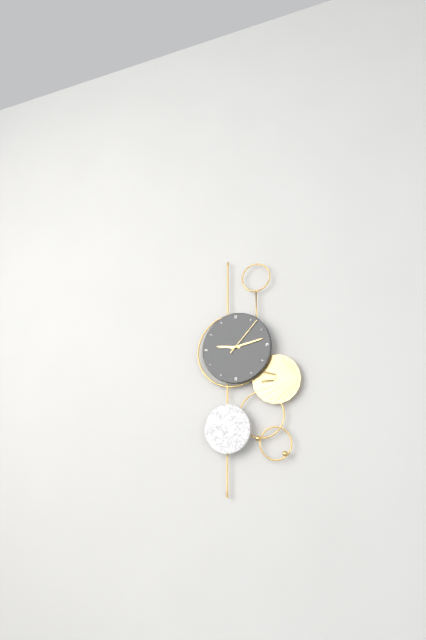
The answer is 9:13
